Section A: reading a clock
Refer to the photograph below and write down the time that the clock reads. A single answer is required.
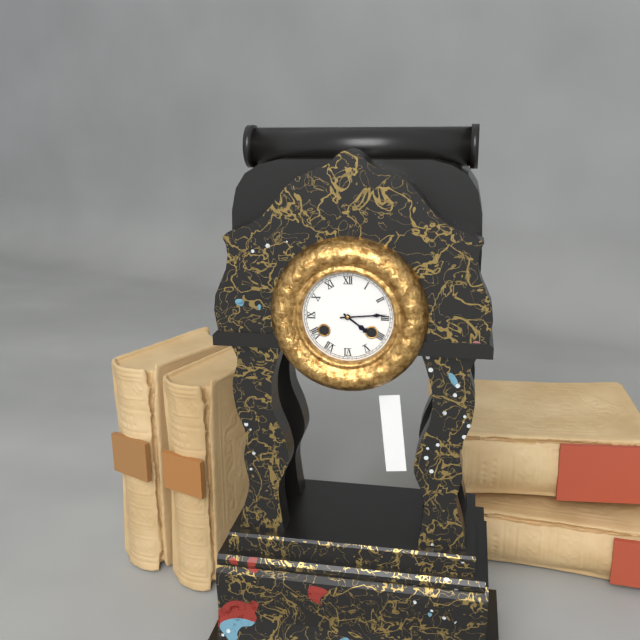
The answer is 4:14
